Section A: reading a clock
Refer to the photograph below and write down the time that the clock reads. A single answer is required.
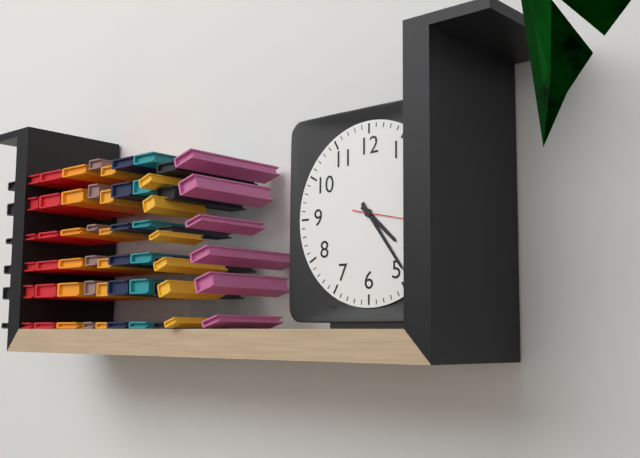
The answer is 4:24
